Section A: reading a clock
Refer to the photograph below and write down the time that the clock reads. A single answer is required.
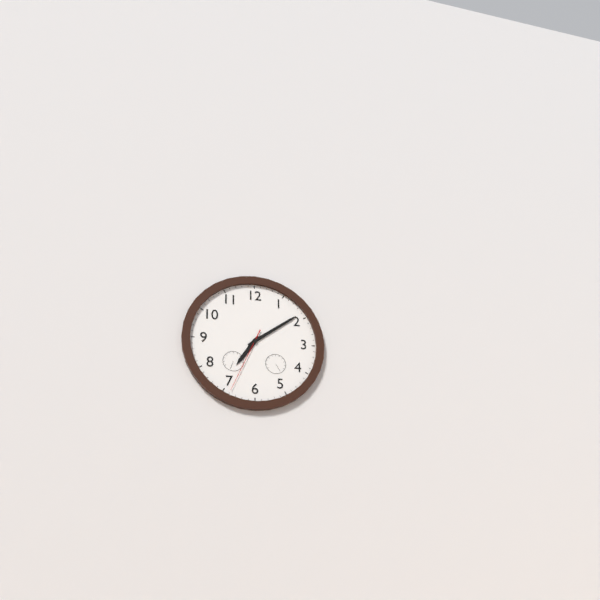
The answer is 7:09:34
